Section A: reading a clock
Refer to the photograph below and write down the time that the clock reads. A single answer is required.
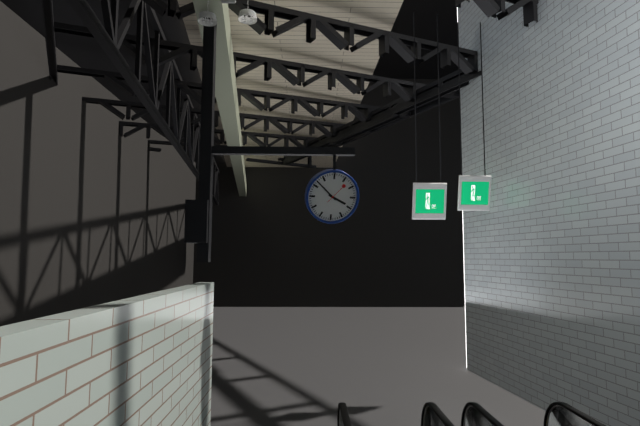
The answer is 3:52
